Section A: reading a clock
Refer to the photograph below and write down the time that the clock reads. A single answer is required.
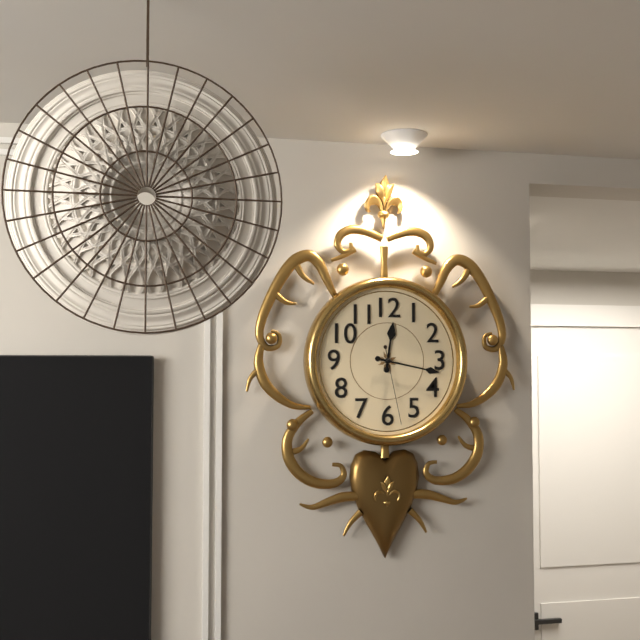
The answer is 12:17:28
